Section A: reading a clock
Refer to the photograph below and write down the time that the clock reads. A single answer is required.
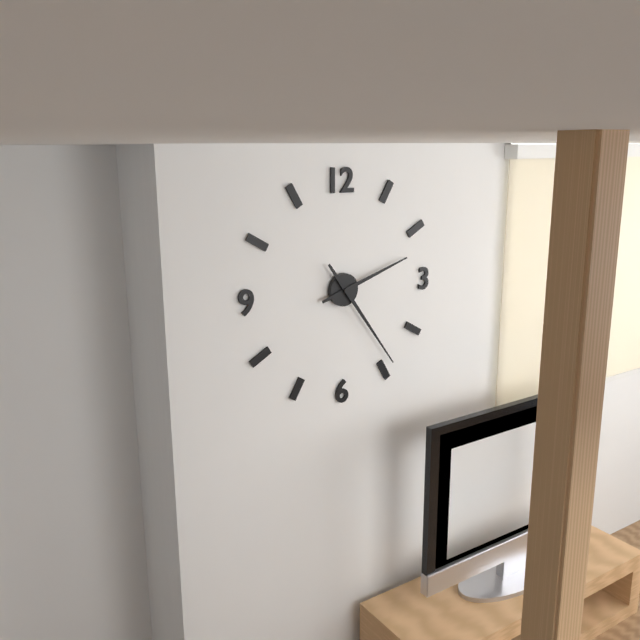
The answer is 2:24
